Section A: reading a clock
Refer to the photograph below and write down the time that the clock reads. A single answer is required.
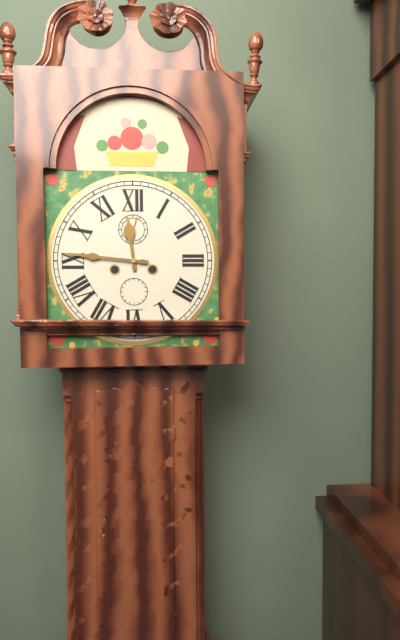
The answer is 11:46
